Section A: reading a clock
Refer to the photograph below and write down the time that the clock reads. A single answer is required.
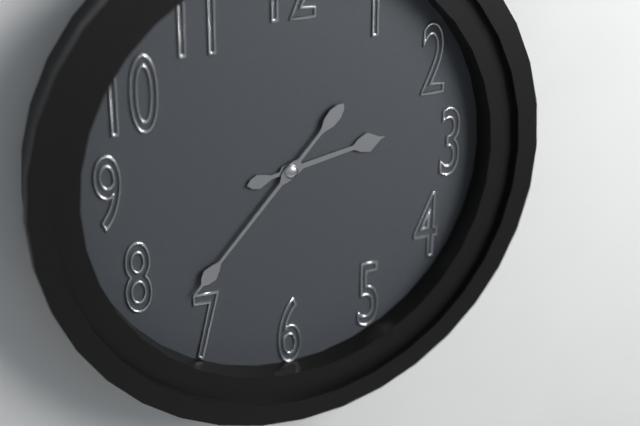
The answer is 2:37
